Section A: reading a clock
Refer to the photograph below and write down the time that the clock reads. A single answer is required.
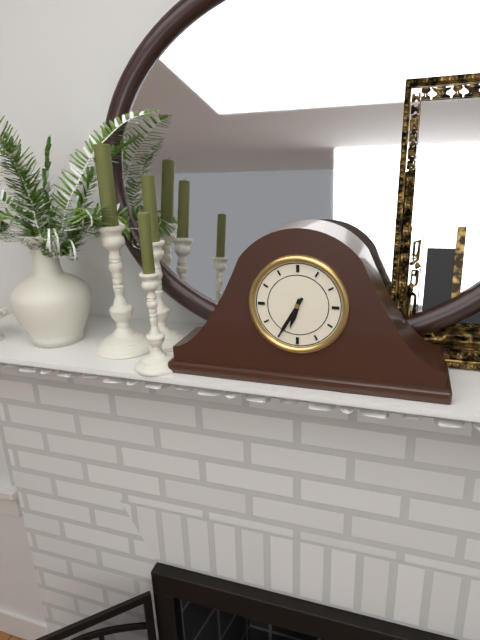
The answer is 6:35
